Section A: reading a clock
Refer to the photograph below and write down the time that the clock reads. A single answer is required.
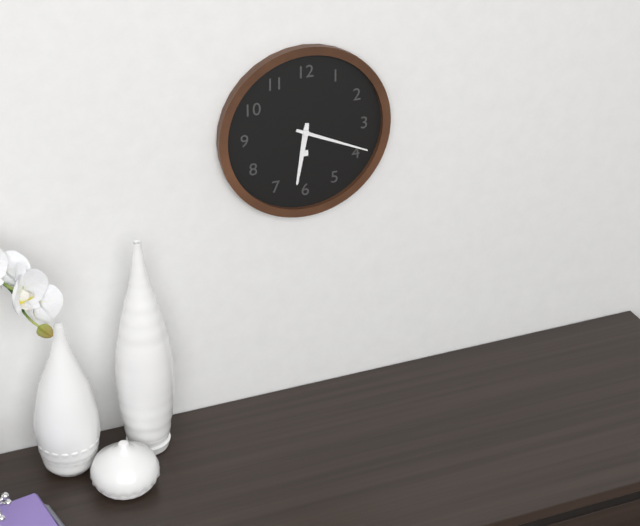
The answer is 6:19
